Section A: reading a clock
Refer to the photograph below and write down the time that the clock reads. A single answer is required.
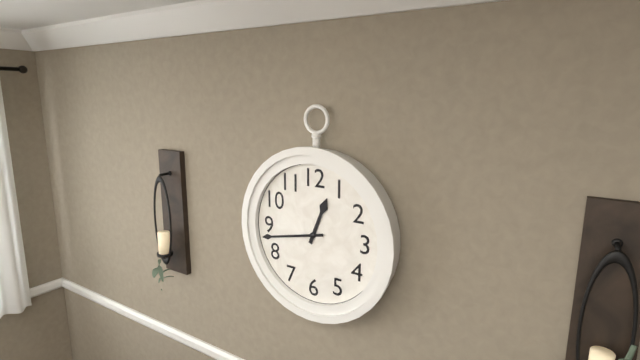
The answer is 12:43
